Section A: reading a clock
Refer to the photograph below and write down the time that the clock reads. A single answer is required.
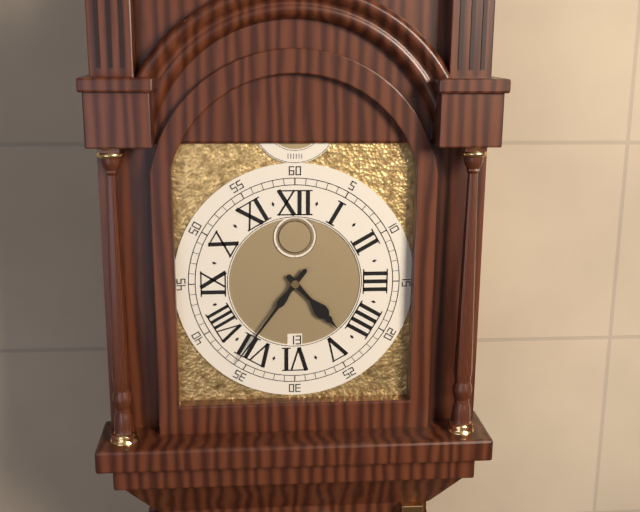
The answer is 4:36
